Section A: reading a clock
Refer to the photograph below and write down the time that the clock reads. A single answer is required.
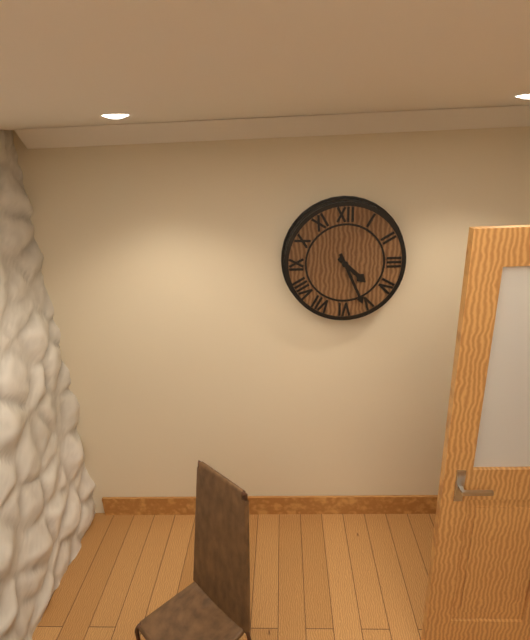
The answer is 4:26
